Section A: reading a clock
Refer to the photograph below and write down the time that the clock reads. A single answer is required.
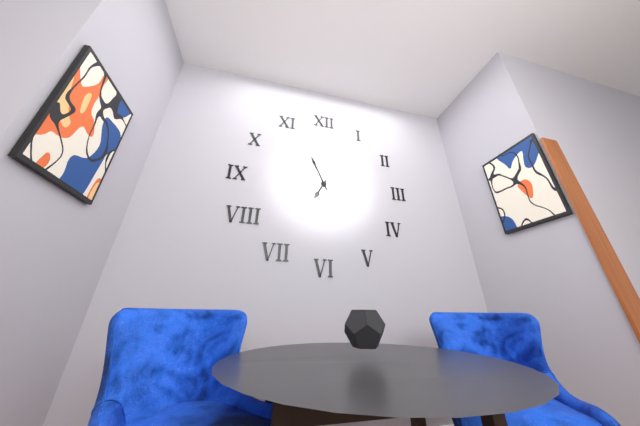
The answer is 6:56
